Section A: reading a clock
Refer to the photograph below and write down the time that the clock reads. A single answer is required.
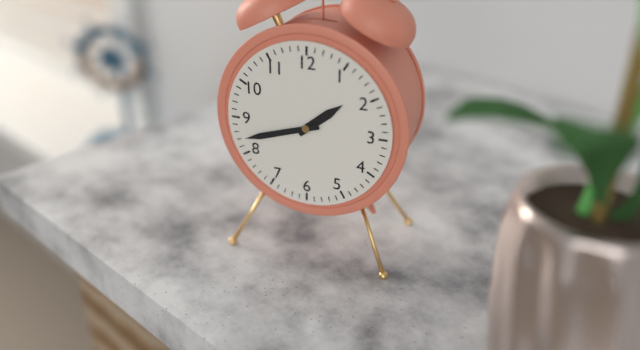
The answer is 1:42
